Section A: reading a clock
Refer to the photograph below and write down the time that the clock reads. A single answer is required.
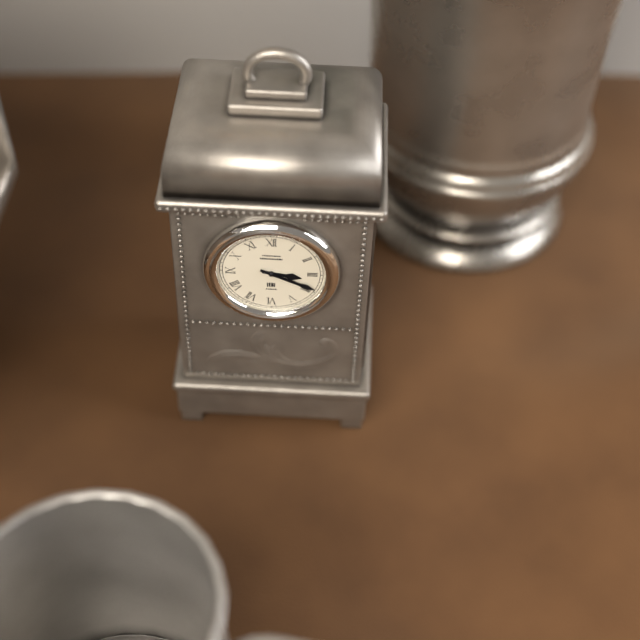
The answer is 3:19
